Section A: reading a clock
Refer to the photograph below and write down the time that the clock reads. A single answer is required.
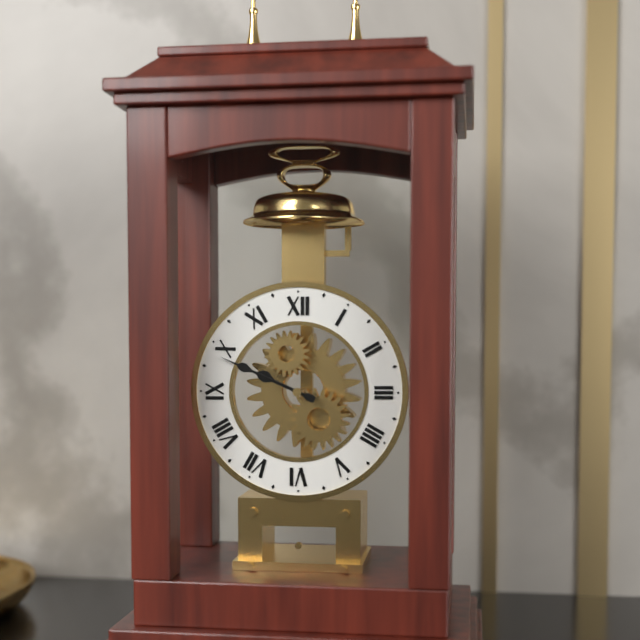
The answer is 9:49
